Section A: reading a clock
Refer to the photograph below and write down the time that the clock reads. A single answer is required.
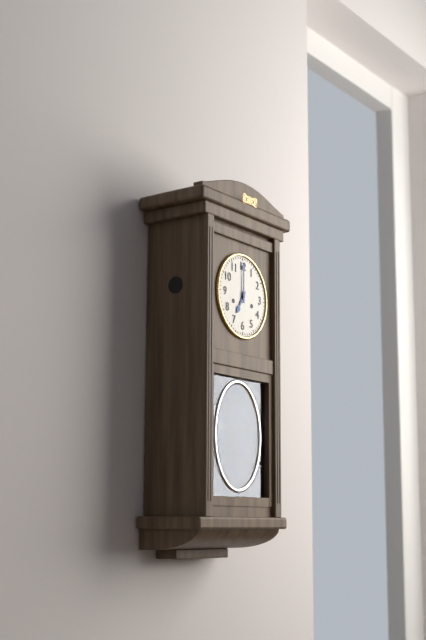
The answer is 7:00
